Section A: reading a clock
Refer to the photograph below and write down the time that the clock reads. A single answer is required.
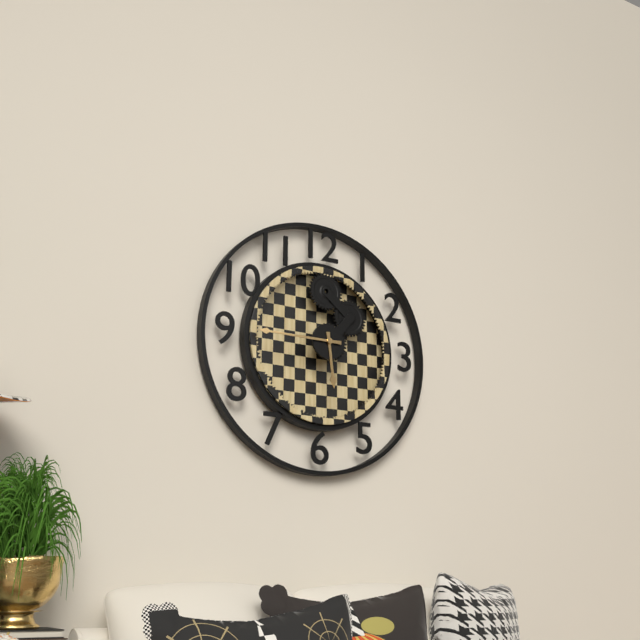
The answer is 5:45
